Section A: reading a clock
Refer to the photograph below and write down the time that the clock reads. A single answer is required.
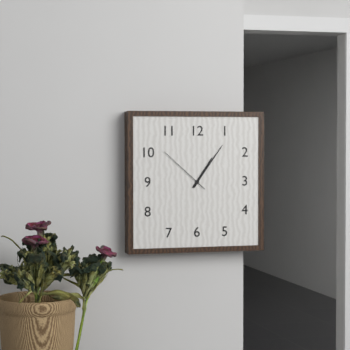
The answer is 1:06:52
